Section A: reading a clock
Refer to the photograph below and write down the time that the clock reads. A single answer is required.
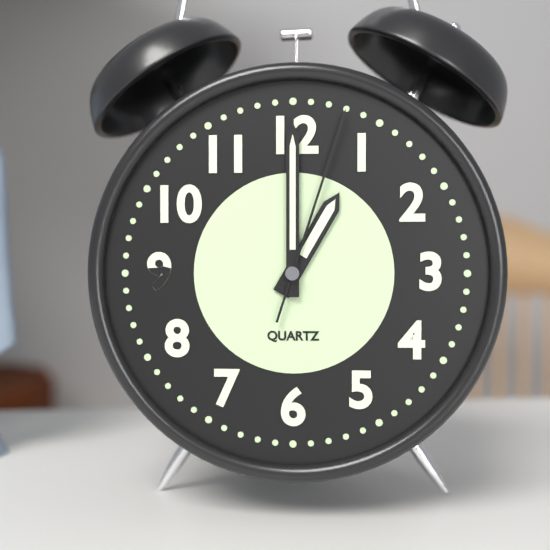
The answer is 1:00:03
